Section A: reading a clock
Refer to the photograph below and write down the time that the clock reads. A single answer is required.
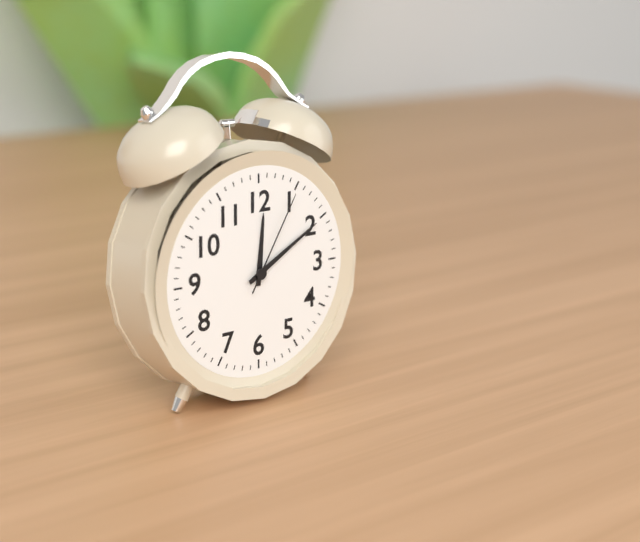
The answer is 12:10:05
